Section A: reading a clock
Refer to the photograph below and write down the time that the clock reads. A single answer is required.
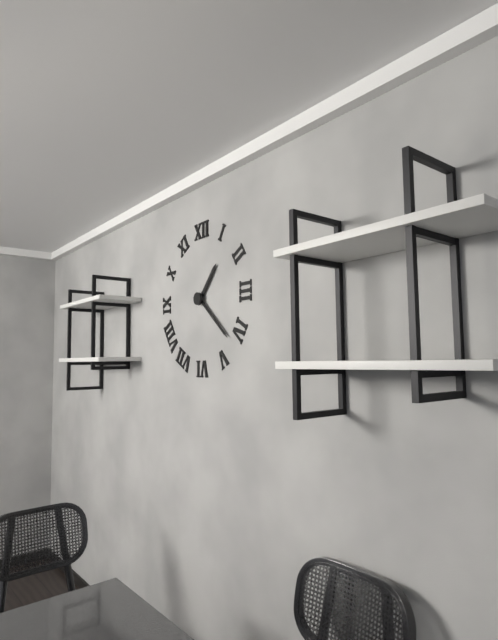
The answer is 1:22
